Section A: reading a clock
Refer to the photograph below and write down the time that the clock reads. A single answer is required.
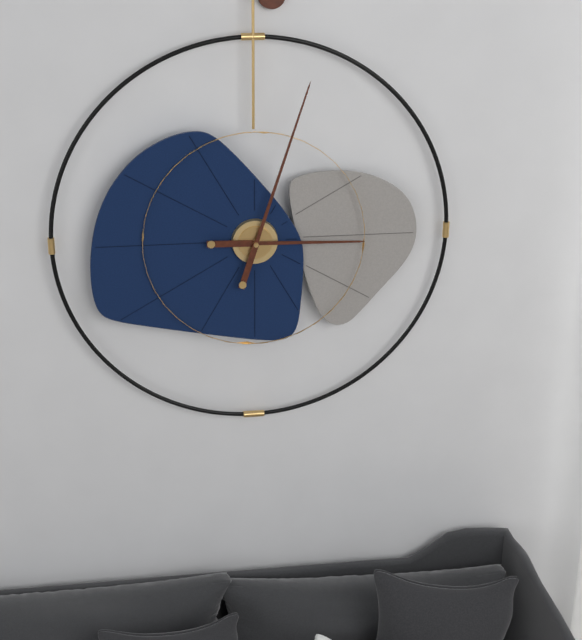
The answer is 3:03
